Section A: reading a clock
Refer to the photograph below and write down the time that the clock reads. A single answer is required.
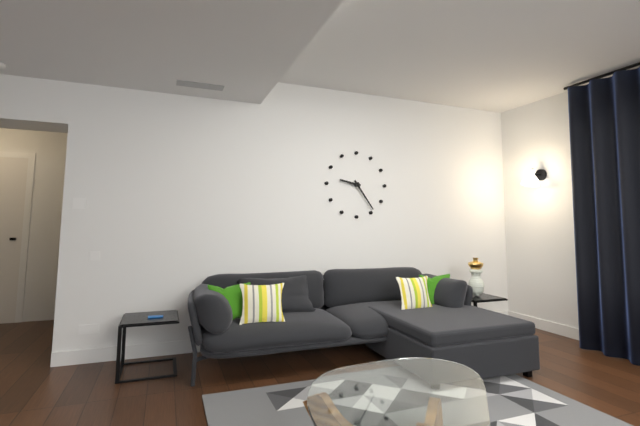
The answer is 9:24
